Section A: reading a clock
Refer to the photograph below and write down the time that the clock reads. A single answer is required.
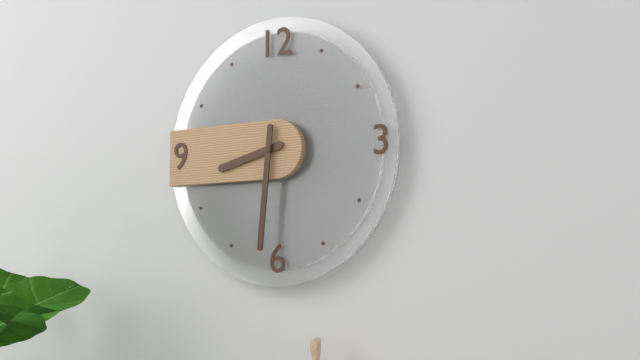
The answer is 8:31
